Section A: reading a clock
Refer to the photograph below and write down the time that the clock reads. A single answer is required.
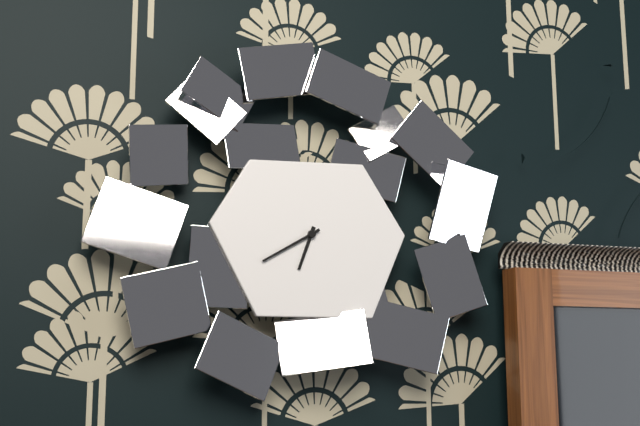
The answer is 6:40
